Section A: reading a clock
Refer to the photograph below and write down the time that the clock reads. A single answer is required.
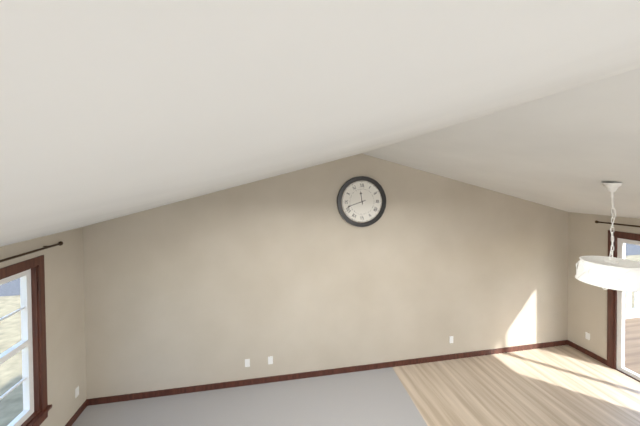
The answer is 11:42
